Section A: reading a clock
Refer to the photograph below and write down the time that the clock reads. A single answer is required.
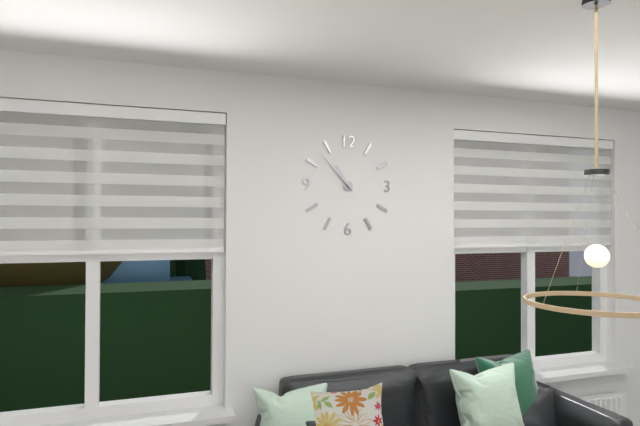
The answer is 10:53
